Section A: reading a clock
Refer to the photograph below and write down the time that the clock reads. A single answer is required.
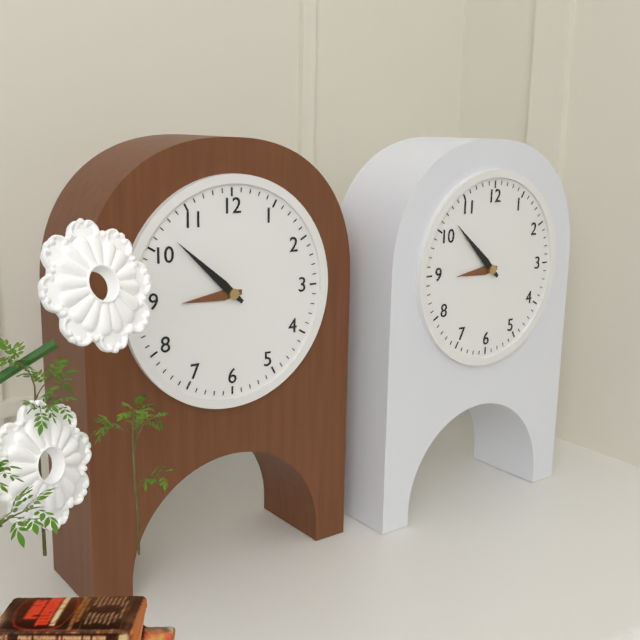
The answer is 8:52
